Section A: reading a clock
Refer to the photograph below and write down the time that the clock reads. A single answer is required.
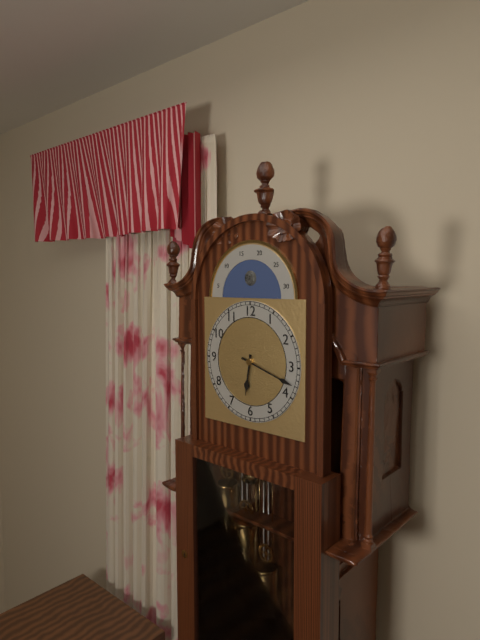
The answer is 6:18
